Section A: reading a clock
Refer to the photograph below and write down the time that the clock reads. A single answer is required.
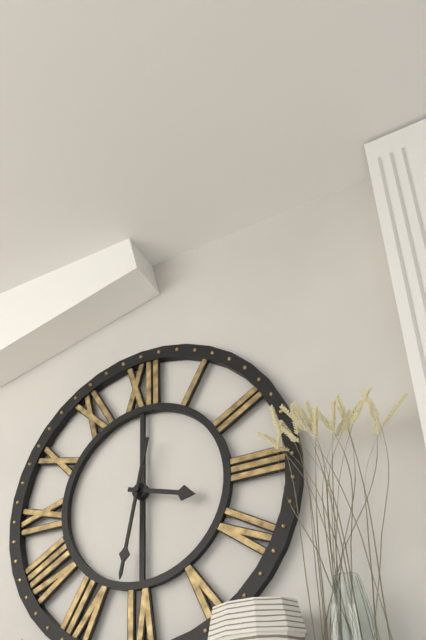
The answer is 3:32
